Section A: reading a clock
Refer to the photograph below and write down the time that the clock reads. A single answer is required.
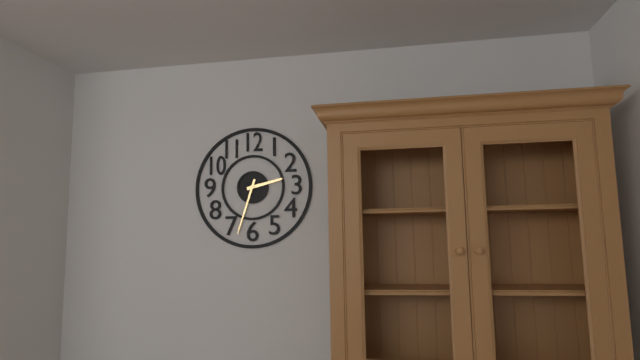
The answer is 2:33
